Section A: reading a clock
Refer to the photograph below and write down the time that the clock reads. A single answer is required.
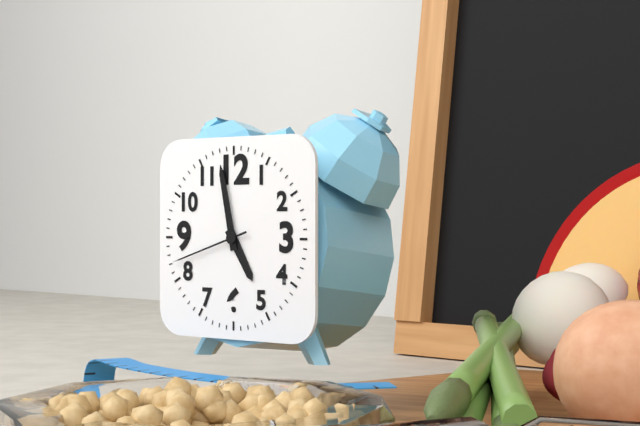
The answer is 4:58:42
